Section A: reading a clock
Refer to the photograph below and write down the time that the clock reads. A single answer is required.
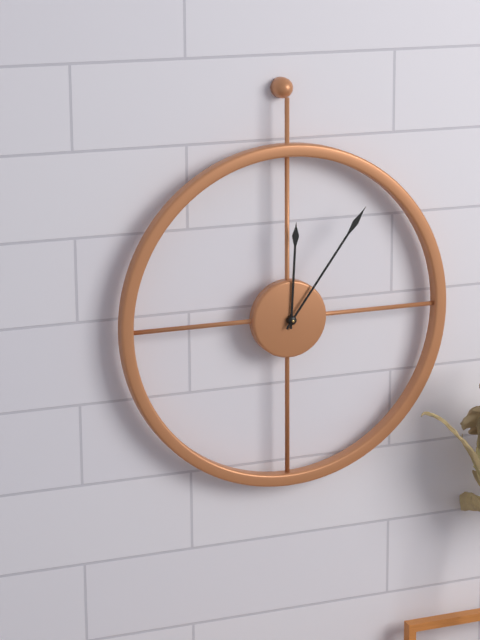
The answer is 12:06
